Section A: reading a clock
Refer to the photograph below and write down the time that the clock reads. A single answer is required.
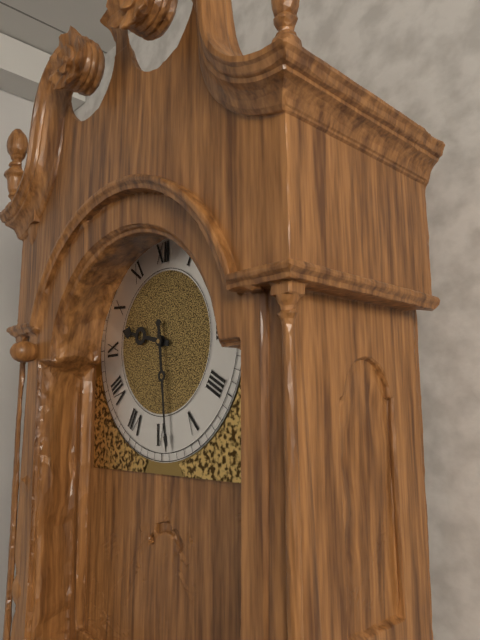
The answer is 9:29
